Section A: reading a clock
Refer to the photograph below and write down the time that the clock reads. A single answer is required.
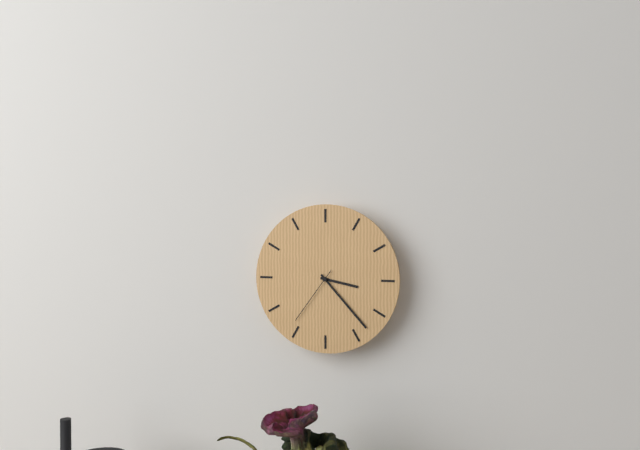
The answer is 3:23:36
